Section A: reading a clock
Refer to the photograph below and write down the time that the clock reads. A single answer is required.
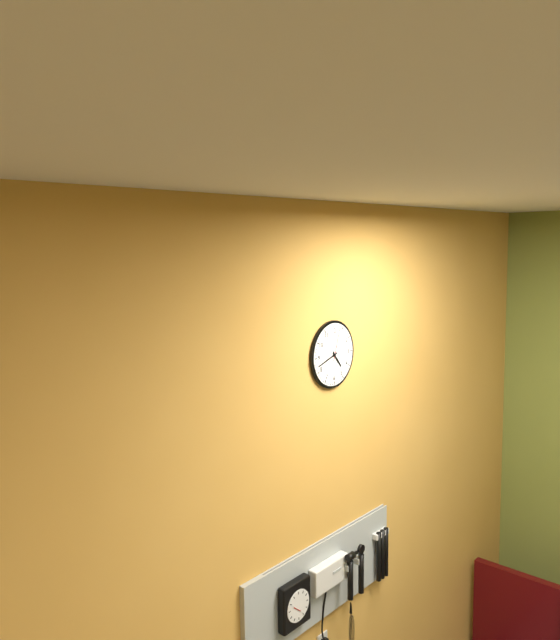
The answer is 4:42
